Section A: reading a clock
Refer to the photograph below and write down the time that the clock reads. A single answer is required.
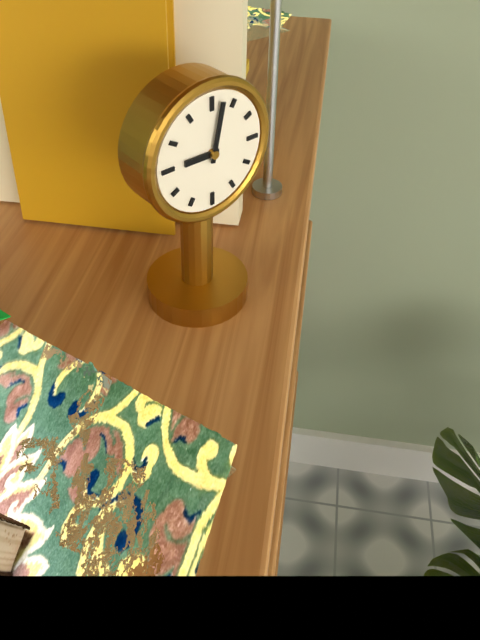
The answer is 9:02
